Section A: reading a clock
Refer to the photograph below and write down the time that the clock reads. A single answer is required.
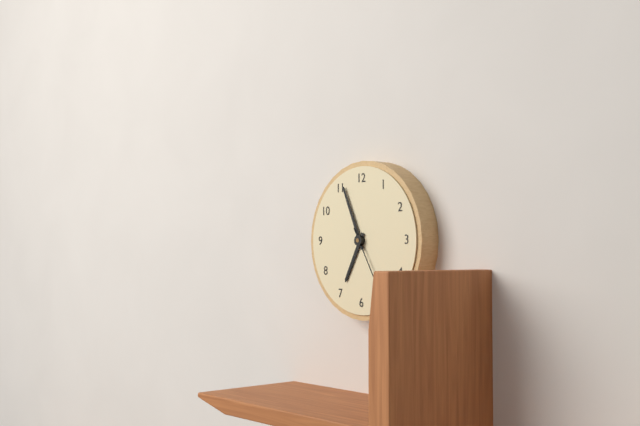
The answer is 6:56
